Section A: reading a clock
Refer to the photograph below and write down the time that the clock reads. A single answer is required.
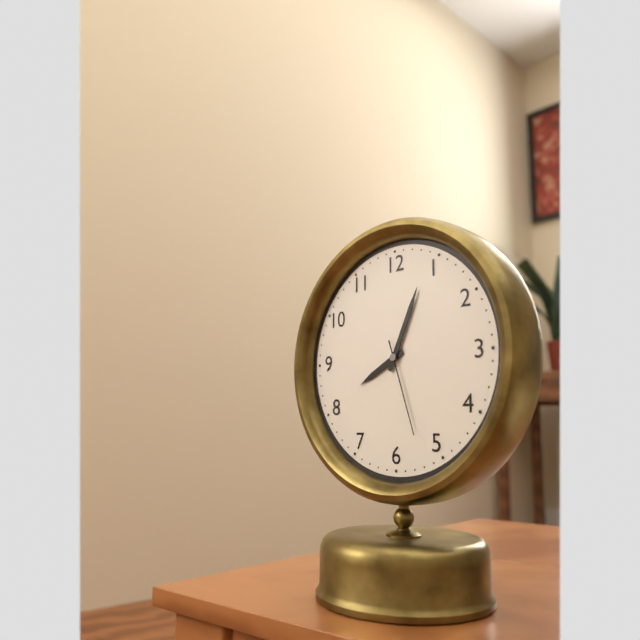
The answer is 8:04:27
